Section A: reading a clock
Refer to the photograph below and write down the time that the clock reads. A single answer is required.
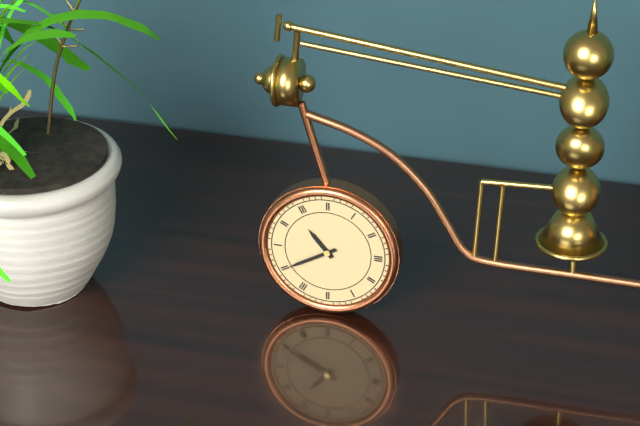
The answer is 10:40
